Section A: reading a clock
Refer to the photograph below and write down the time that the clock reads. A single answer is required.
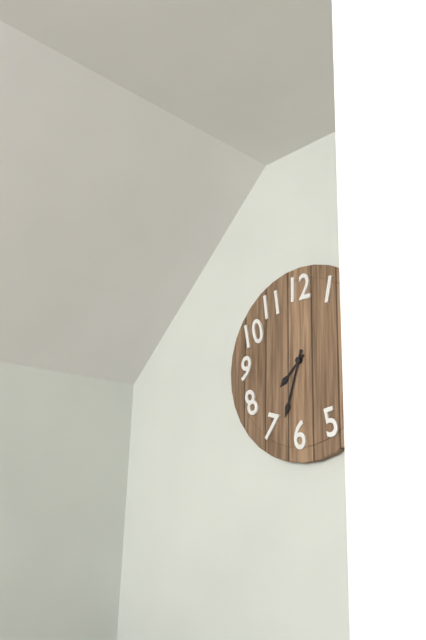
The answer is 7:33
